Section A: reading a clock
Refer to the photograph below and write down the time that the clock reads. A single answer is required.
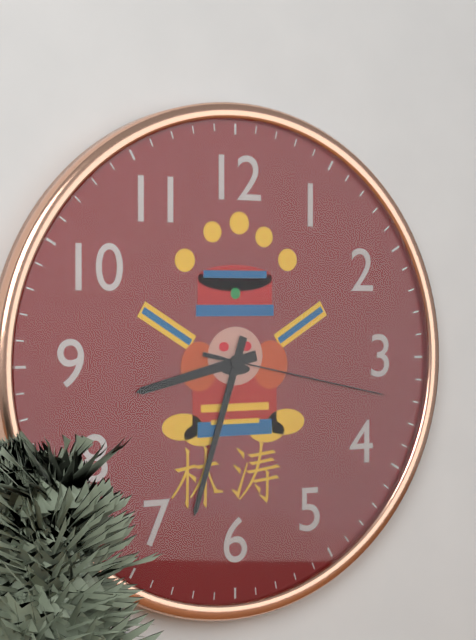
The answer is 8:33:17
